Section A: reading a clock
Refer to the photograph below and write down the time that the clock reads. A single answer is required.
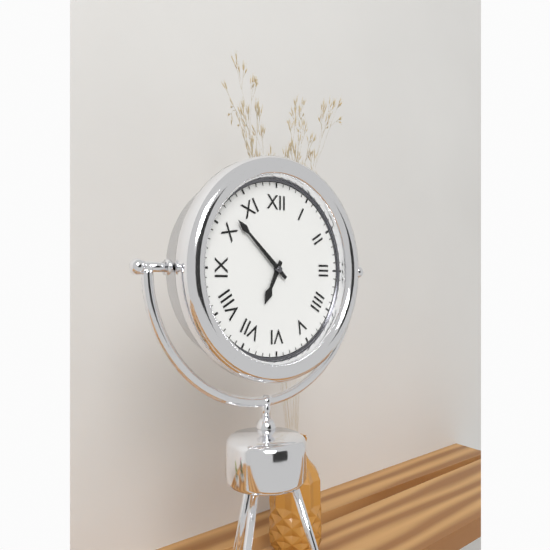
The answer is 6:52
